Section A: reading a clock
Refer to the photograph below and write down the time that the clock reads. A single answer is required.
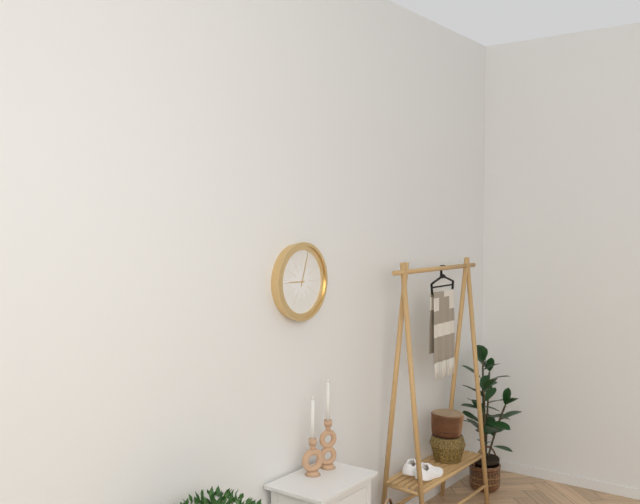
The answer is 9:03
